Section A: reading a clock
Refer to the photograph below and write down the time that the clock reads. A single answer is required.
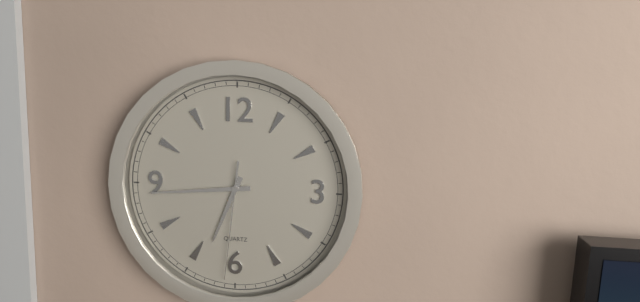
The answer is 6:44:31
